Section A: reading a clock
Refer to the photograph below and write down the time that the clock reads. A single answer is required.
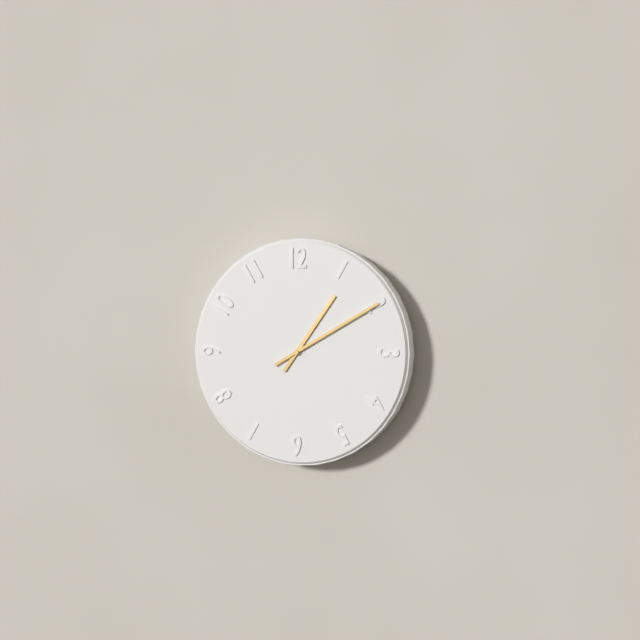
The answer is 1:10
